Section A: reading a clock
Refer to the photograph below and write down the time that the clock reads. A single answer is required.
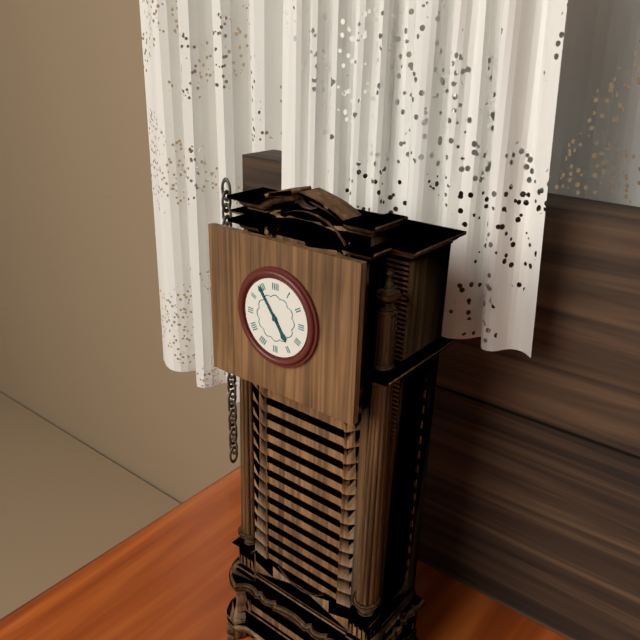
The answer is 4:54
